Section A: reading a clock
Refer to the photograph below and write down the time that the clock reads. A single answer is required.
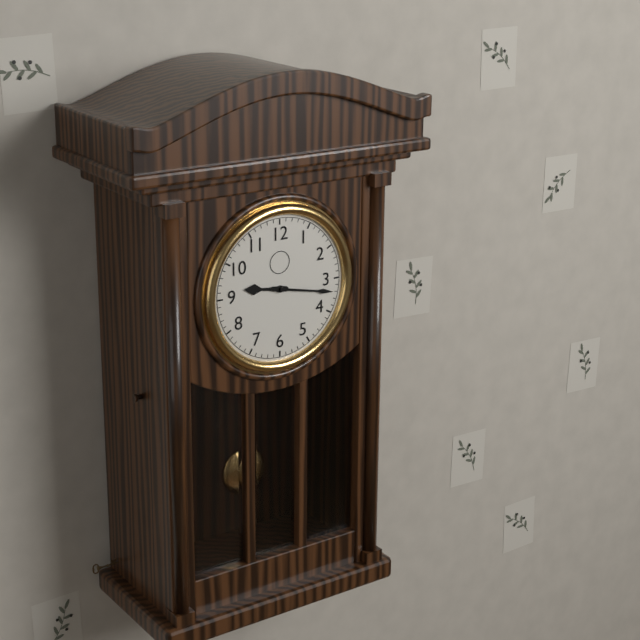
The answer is 9:17
